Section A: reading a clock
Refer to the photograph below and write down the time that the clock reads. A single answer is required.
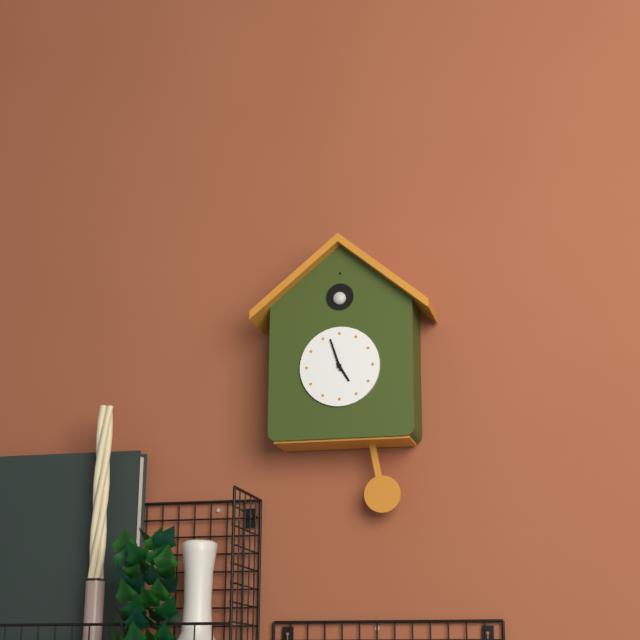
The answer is 4:57
